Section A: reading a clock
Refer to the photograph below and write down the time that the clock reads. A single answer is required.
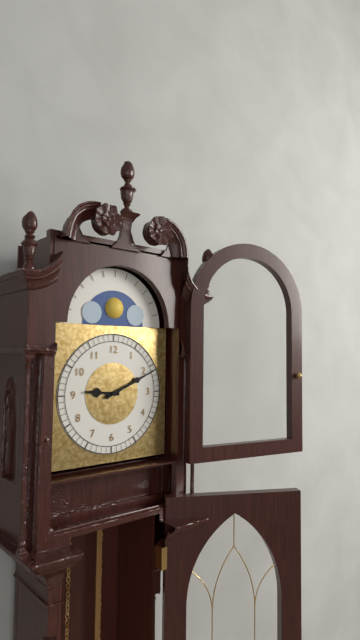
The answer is 9:11
